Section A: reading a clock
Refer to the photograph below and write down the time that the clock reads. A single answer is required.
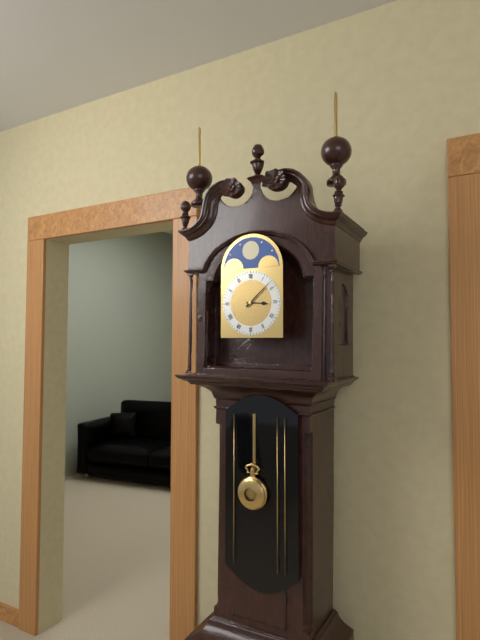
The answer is 3:08
